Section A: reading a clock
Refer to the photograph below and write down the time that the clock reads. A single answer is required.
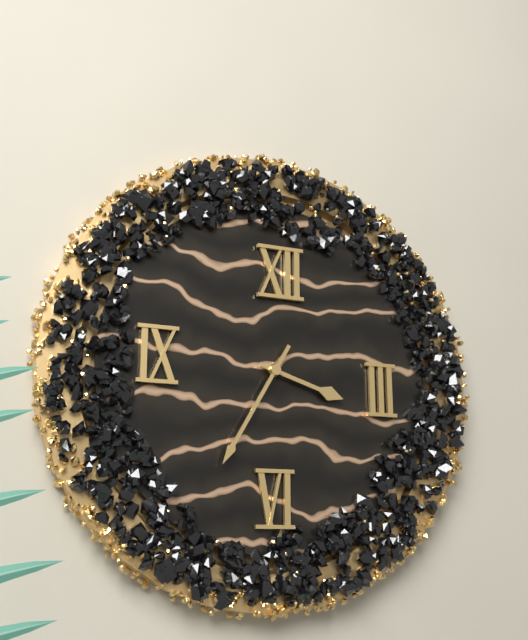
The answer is 3:35
